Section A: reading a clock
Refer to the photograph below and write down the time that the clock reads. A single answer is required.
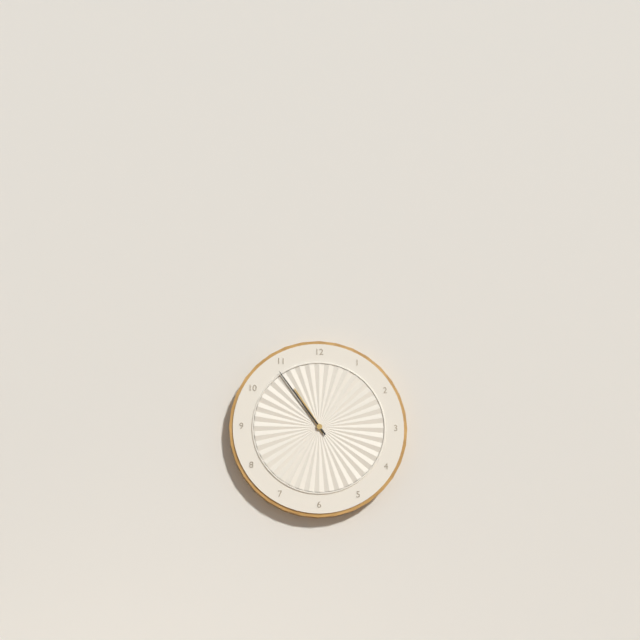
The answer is 10:54
